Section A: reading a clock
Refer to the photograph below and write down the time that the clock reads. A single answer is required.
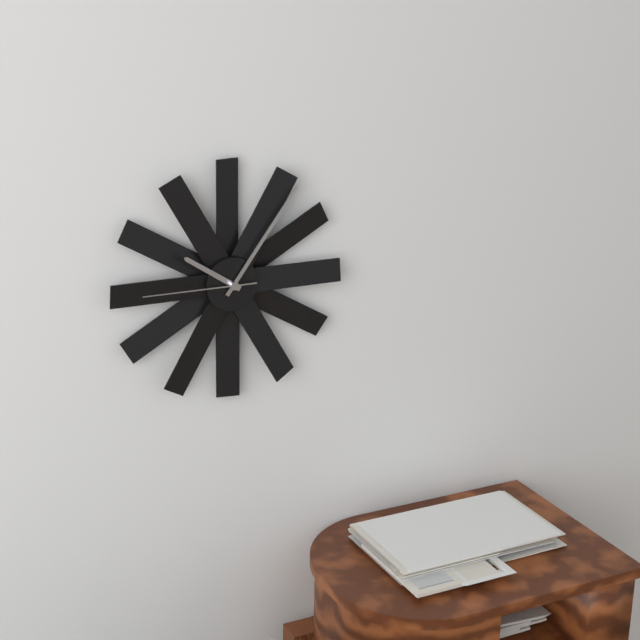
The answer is 10:06:45
